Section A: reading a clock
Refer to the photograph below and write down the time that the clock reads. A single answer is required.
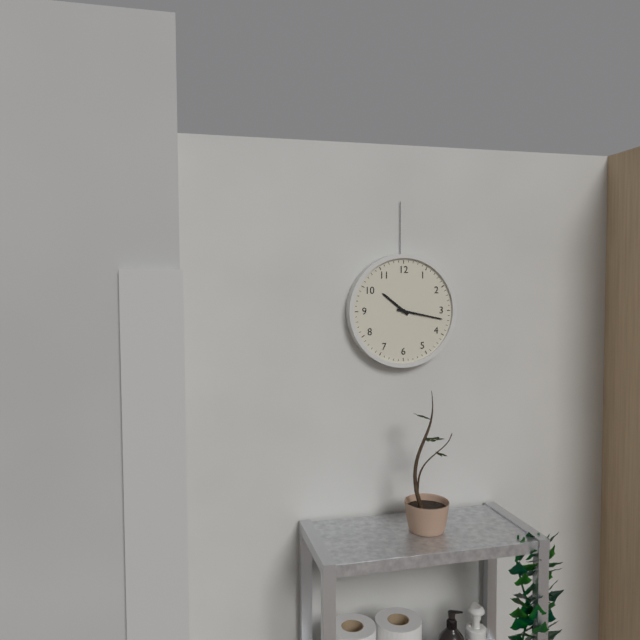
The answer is 10:17
